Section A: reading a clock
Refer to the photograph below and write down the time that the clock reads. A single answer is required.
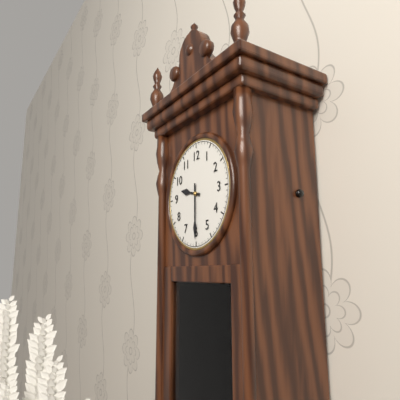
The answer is 9:30
